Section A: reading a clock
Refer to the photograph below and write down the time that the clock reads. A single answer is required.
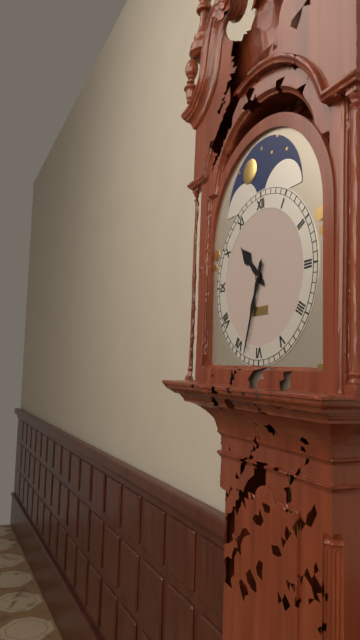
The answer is 10:33
